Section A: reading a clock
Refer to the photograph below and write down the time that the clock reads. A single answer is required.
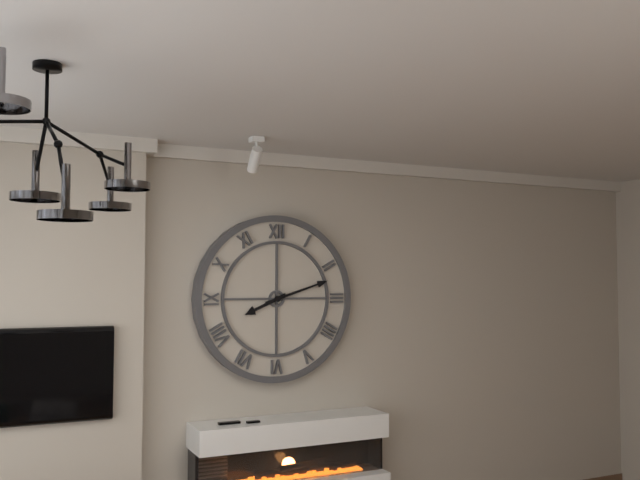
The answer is 8:12
